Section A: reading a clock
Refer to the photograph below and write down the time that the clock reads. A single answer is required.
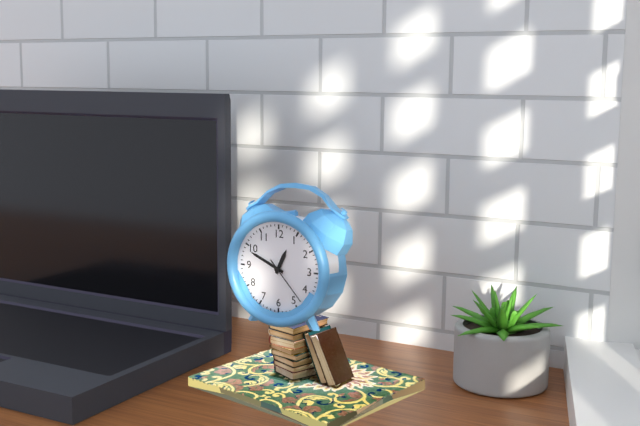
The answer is 12:49
